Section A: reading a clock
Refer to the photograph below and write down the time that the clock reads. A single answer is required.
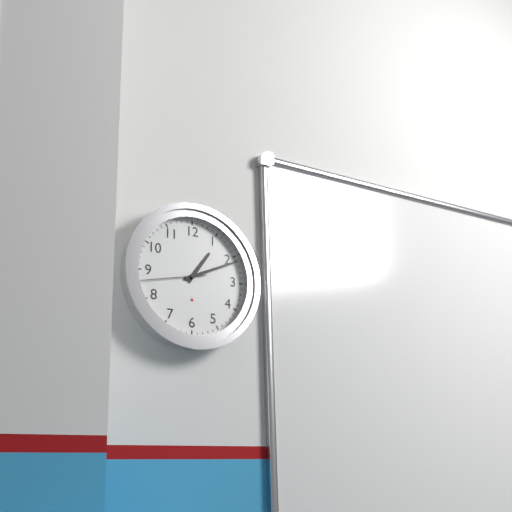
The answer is 1:11:43
